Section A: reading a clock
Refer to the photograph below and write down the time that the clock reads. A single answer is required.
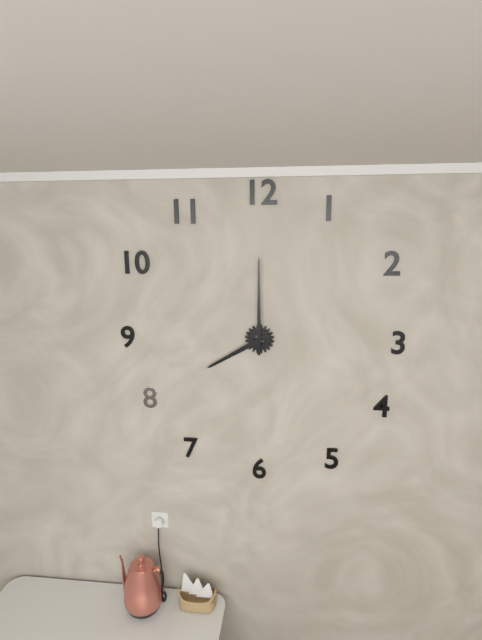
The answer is 8:00
